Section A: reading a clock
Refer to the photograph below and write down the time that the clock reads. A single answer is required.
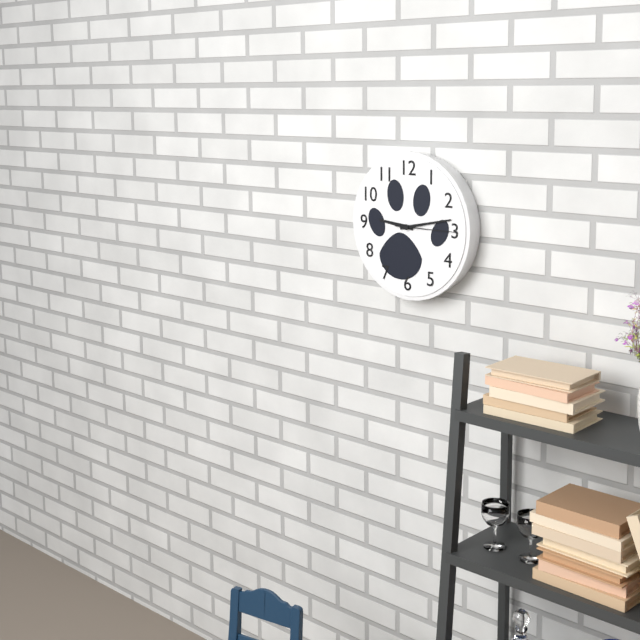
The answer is 9:13:15
